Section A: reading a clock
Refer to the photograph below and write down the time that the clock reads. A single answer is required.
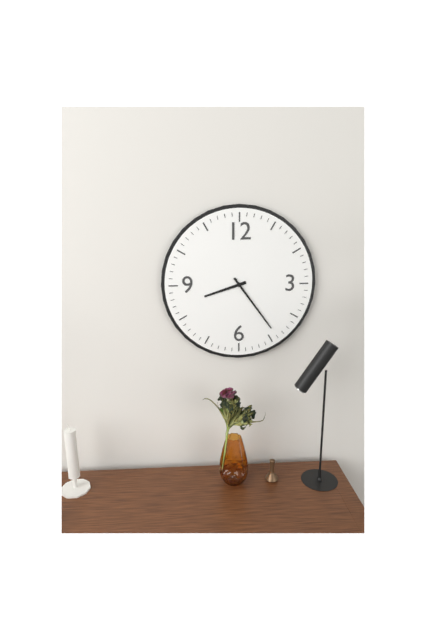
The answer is 8:24
